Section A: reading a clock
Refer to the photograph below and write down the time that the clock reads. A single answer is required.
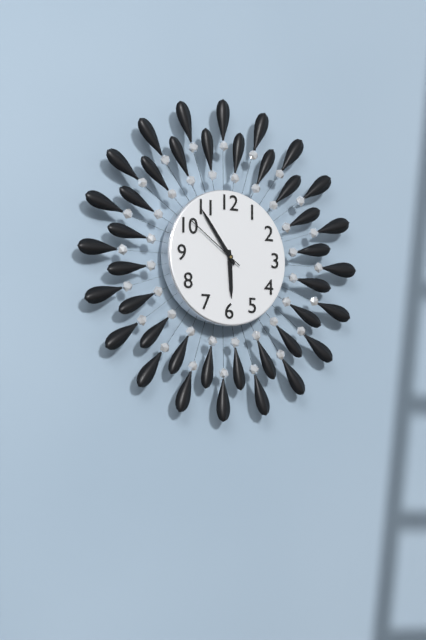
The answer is 5:54:51
